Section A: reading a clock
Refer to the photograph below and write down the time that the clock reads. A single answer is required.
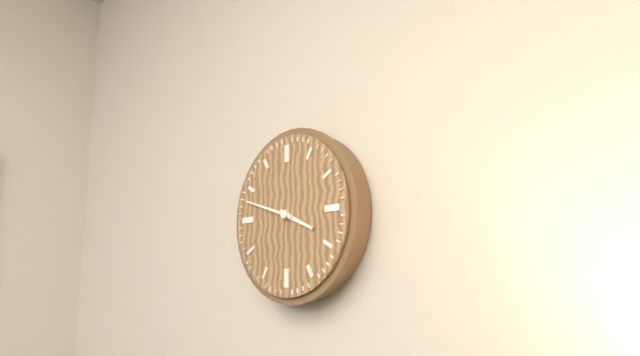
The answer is 3:48
